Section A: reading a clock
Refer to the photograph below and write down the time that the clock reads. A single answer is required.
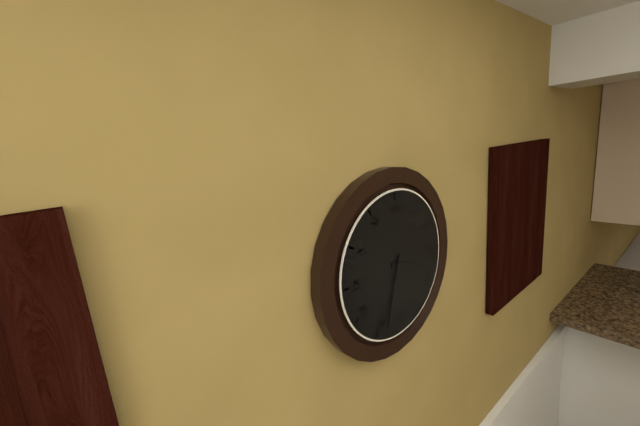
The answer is 3:33
